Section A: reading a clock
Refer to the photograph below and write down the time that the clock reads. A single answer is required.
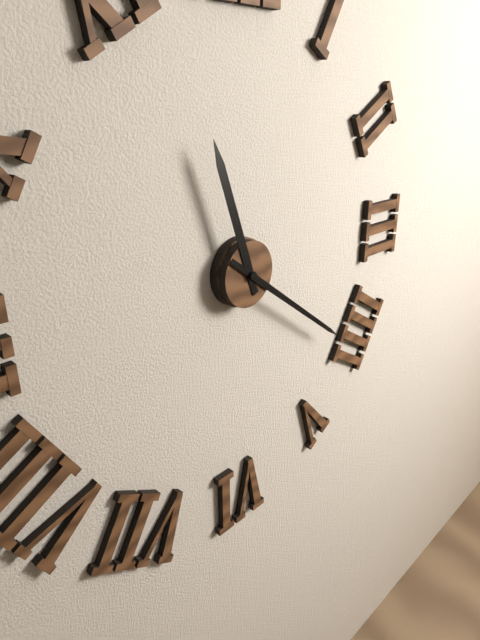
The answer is 11:21
